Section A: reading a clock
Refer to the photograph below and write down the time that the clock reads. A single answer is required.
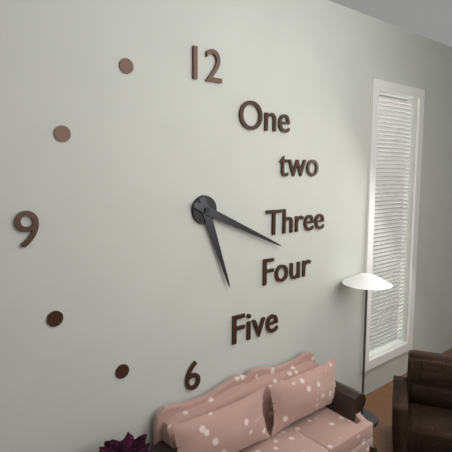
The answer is 5:19
